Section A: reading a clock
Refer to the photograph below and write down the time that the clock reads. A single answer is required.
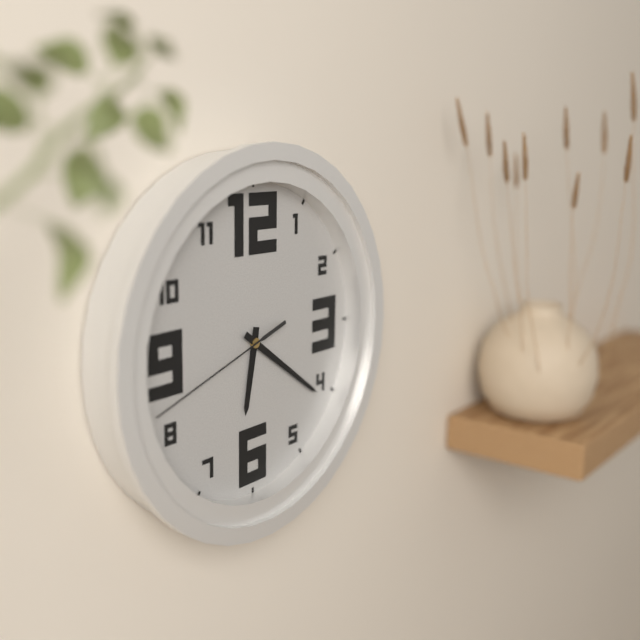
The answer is 6:21:42
